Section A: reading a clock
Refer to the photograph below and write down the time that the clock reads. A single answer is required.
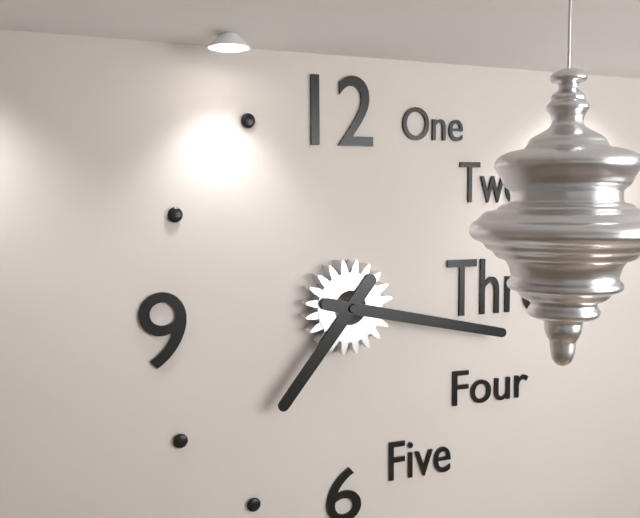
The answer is 7:17
